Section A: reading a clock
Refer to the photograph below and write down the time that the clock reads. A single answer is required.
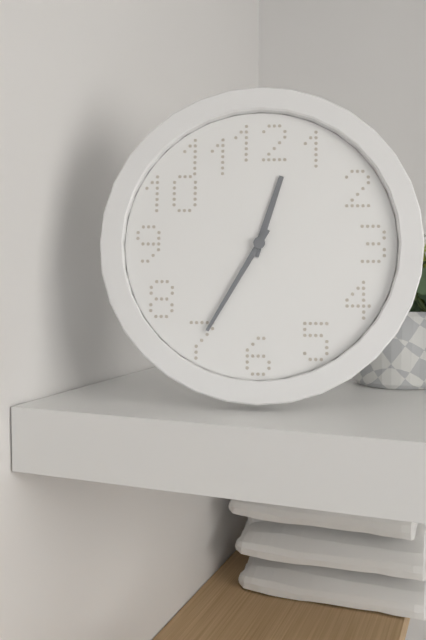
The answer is 12:35
